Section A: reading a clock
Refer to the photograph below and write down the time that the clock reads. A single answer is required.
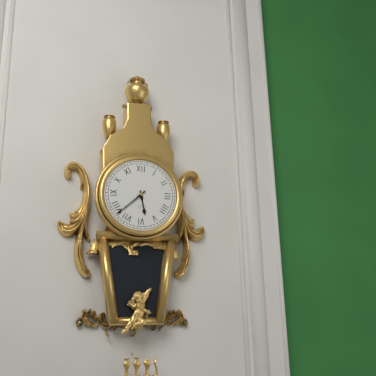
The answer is 5:38
